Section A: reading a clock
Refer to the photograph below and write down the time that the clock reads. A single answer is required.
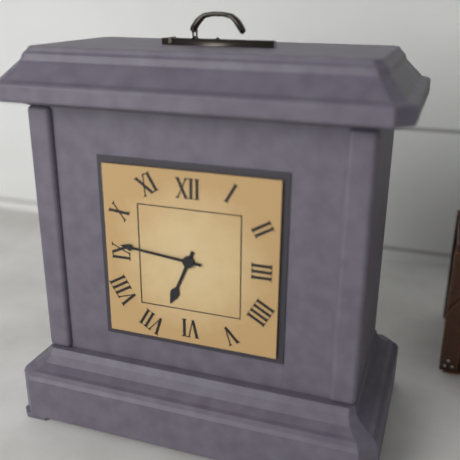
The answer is 6:46
